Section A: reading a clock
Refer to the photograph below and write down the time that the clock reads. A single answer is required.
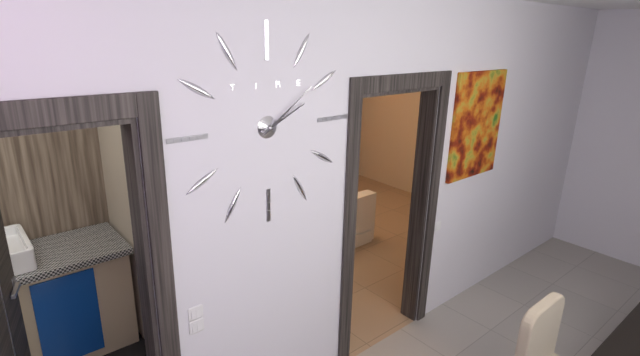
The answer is 2:09
